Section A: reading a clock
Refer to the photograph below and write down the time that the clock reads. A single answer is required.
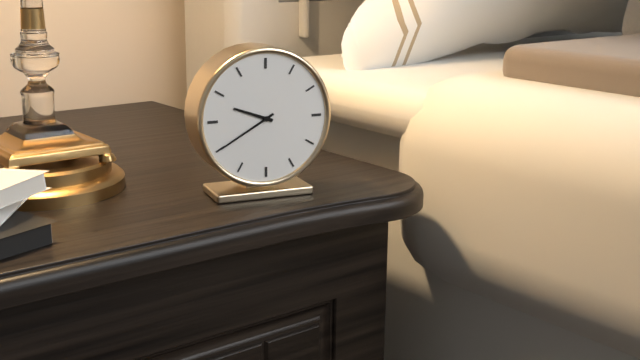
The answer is 9:40
